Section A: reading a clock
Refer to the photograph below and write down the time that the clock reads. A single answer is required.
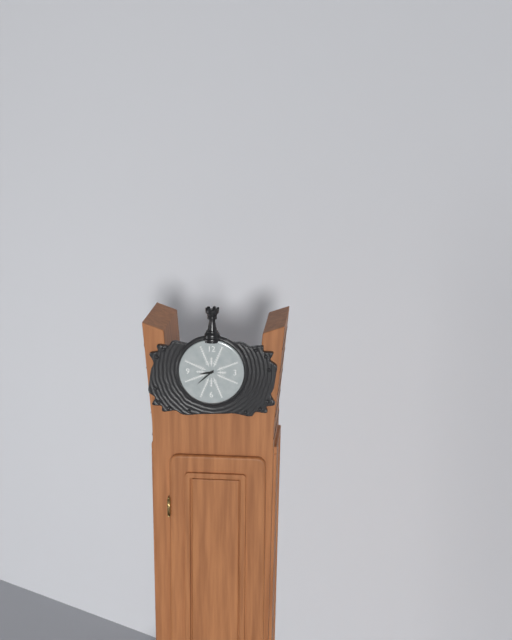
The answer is 8:38
